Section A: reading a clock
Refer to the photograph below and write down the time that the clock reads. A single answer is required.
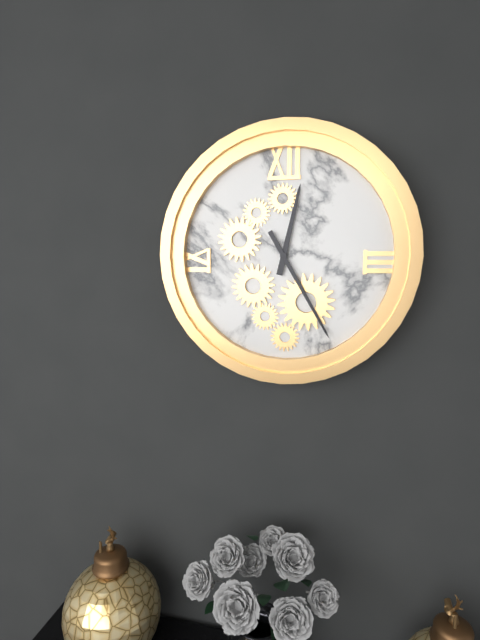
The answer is 12:25
